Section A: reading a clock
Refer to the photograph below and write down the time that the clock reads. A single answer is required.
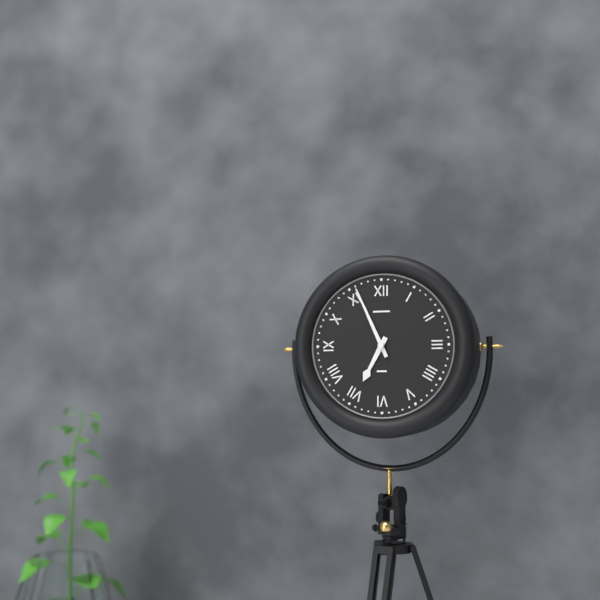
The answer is 6:56
